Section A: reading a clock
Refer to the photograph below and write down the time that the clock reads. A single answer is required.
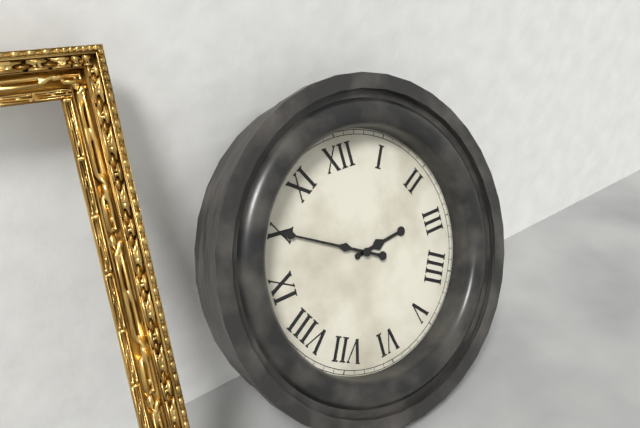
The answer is 2:50
